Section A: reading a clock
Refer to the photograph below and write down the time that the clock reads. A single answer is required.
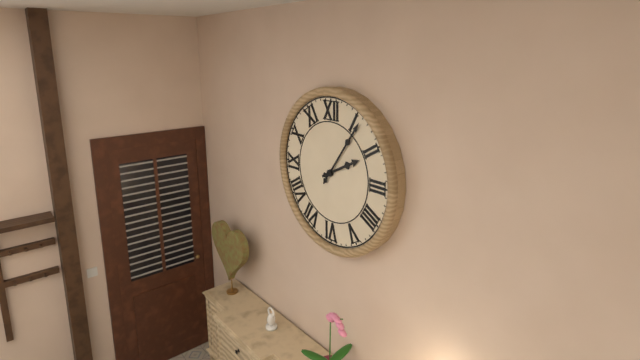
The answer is 2:06
